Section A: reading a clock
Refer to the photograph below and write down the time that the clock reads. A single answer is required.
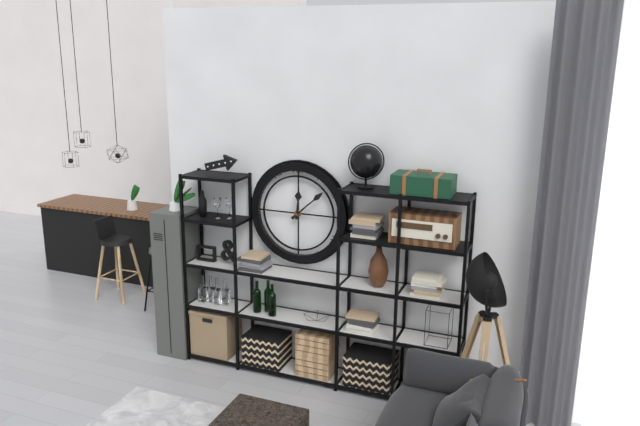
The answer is 12:08
